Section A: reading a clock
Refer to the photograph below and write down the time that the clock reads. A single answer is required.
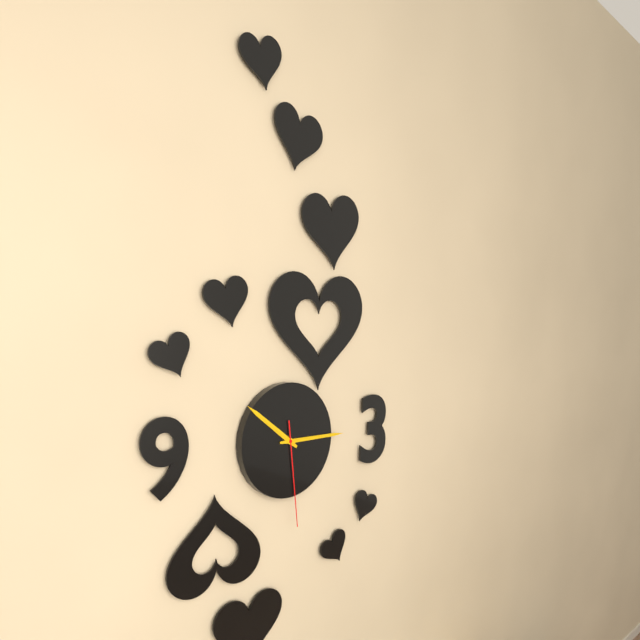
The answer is 10:15:29
